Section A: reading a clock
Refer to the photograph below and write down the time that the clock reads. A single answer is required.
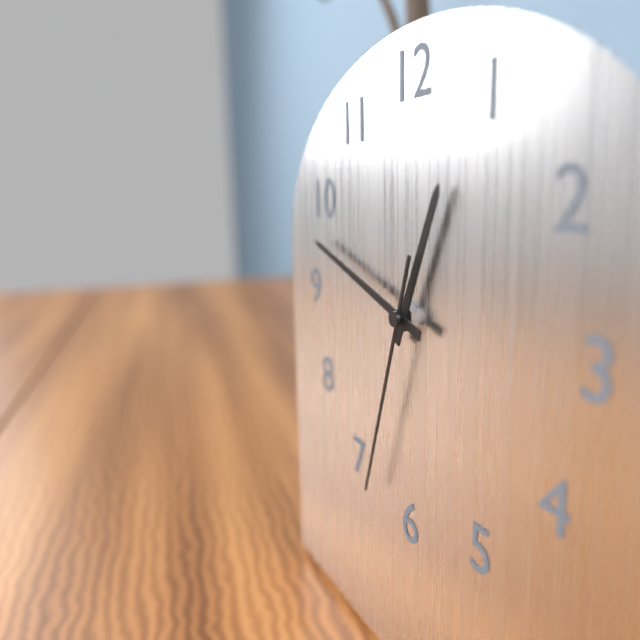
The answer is 12:48:33
